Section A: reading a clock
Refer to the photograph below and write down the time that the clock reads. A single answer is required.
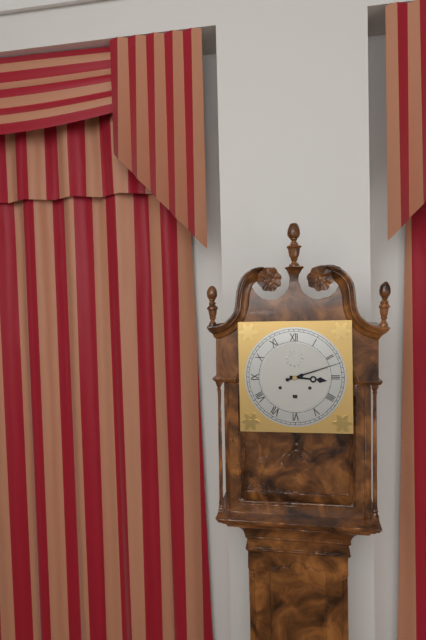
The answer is 3:12
